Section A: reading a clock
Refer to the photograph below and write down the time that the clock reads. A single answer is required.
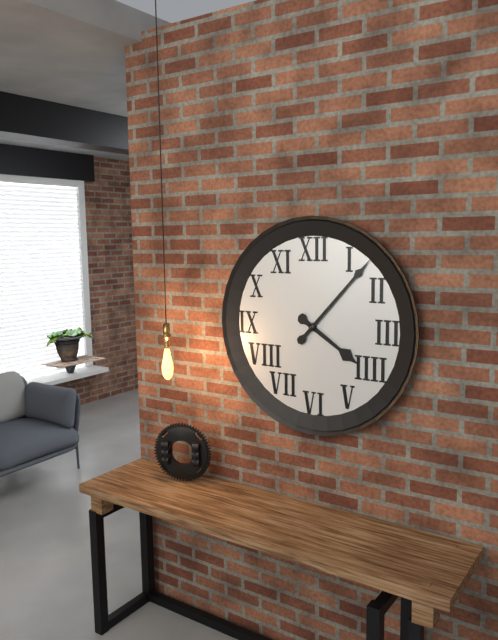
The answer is 4:07
